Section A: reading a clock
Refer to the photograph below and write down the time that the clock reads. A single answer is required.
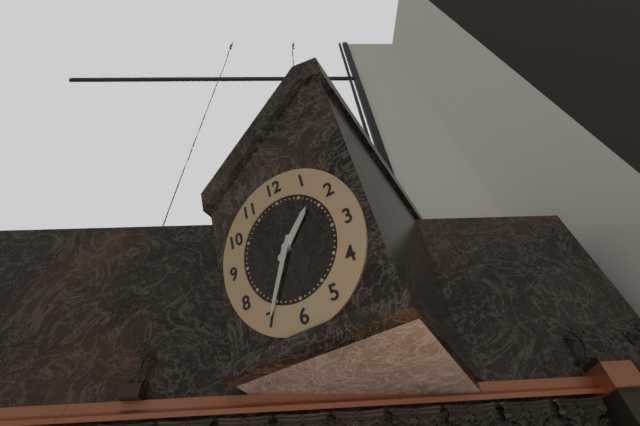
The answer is 1:35
